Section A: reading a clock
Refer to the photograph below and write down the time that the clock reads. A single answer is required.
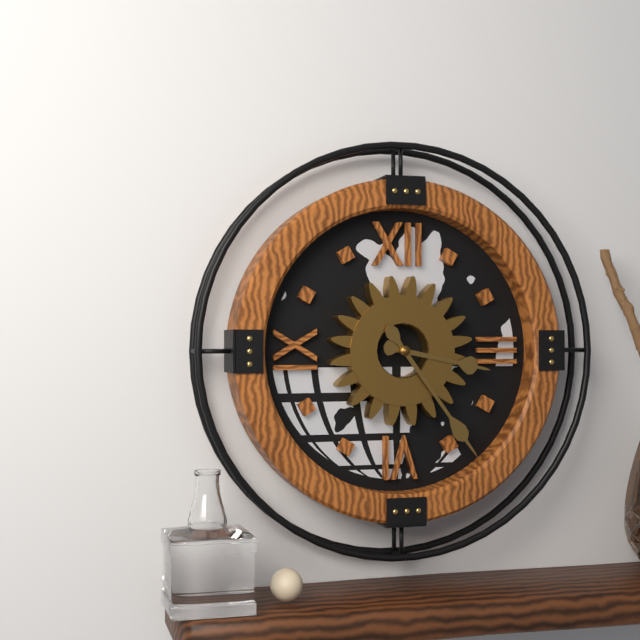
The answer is 3:24
